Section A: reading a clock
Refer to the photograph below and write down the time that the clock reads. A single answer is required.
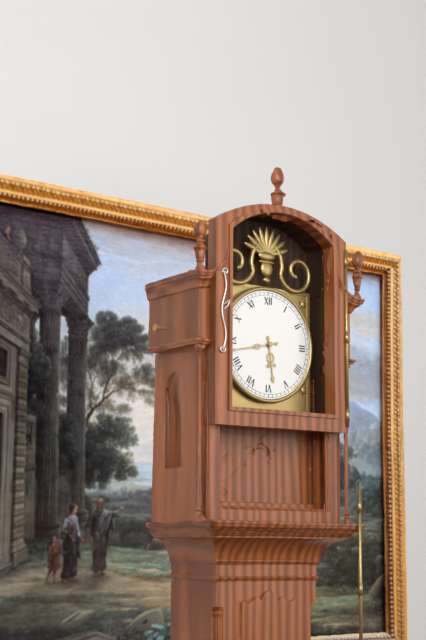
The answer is 5:43
